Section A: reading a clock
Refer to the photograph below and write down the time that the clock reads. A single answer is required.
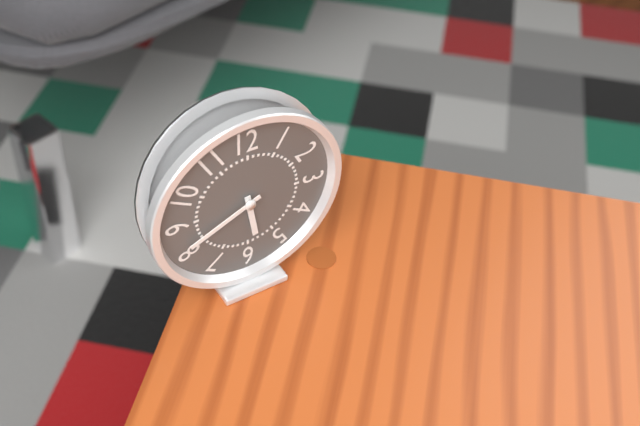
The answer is 5:41
